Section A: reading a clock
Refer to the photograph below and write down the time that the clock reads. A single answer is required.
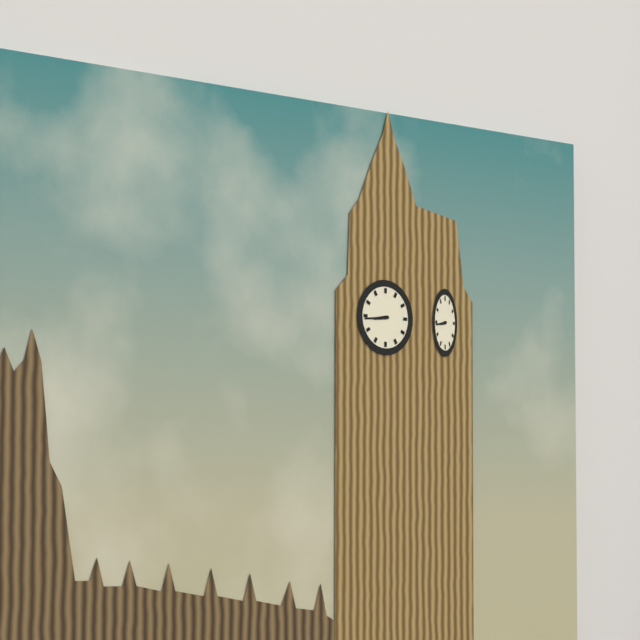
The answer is 8:44
